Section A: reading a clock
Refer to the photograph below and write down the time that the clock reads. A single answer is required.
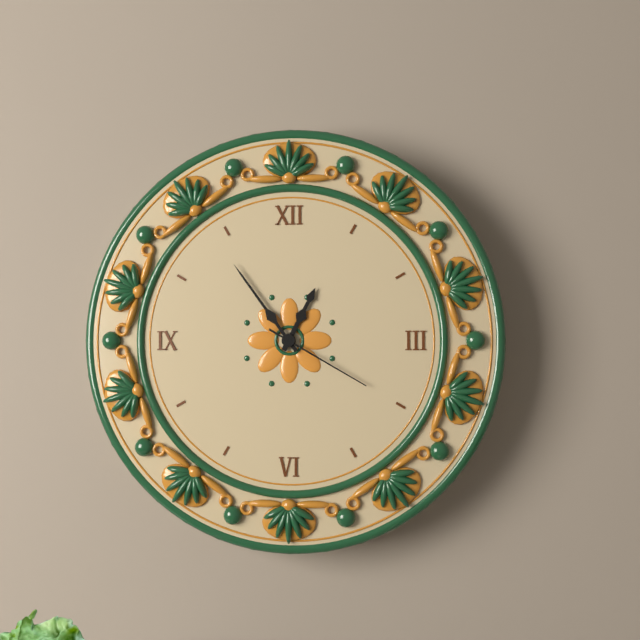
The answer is 12:54:20
